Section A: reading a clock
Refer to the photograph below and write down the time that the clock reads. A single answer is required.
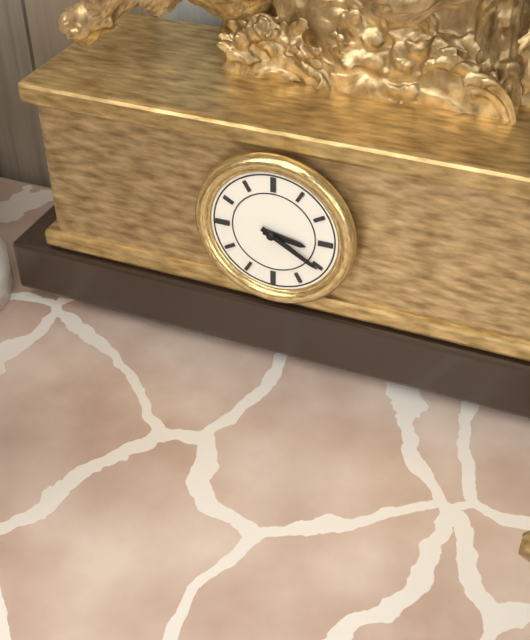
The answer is 3:20
